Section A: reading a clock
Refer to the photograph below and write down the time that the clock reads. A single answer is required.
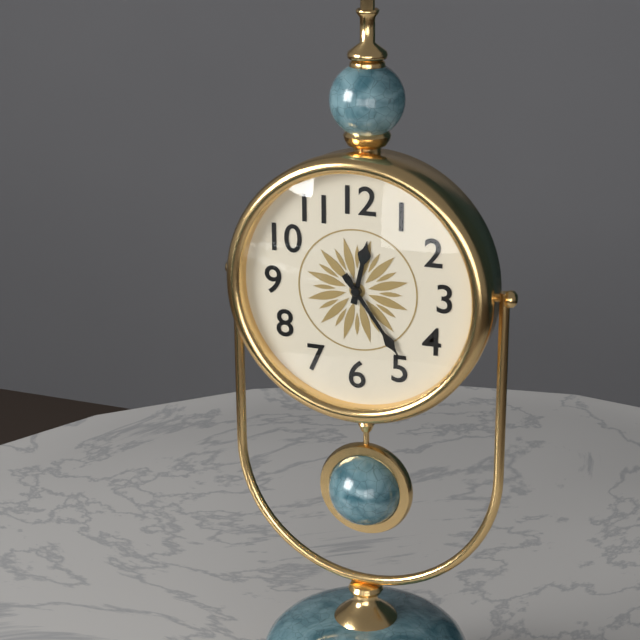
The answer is 12:24
